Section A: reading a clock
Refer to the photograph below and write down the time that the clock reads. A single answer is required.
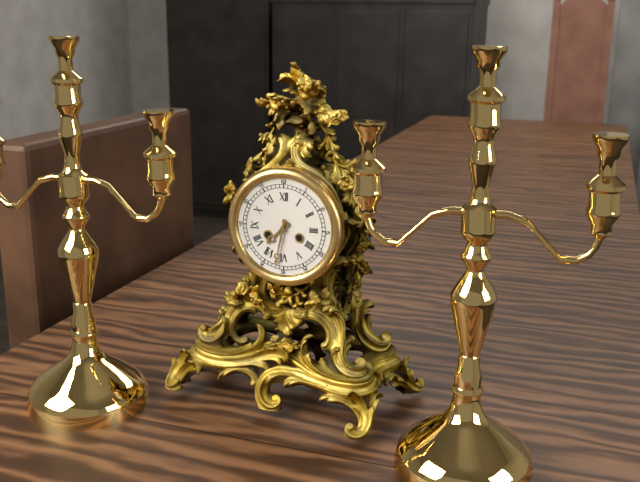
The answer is 7:32
